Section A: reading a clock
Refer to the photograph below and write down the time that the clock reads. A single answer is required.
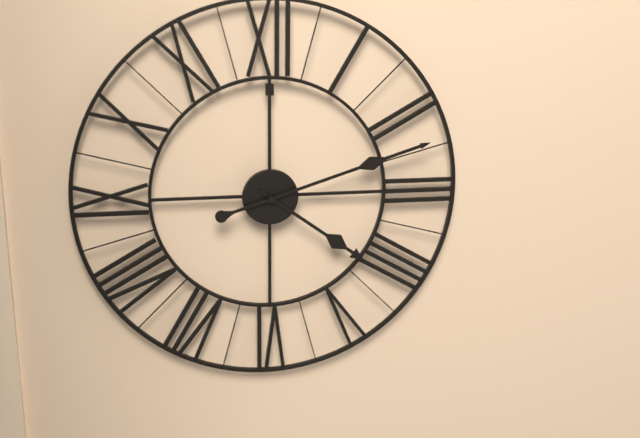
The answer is 4:12
